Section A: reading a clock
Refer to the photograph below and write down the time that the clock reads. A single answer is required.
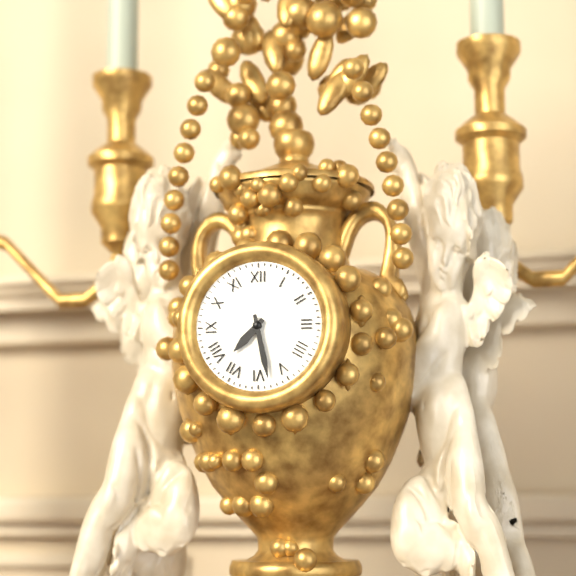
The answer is 7:28
